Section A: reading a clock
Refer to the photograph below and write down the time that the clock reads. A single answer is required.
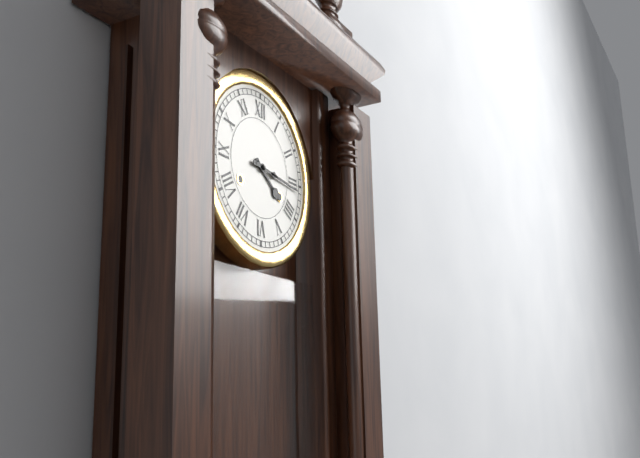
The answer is 4:16
